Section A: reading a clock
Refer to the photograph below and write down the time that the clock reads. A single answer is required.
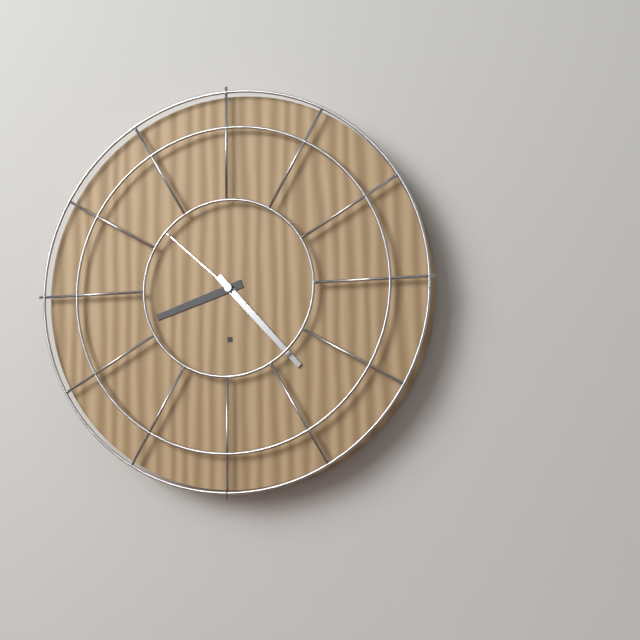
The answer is 8:23:52
